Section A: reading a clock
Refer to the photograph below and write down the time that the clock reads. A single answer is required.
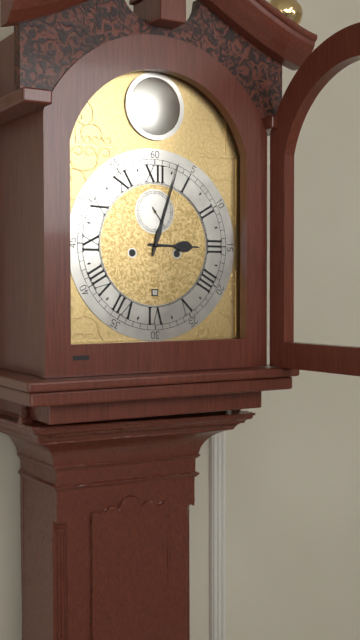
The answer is 3:03
